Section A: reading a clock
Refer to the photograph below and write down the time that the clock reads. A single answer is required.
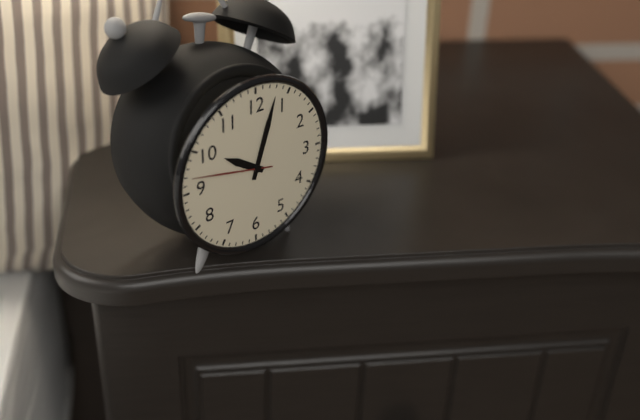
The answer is 10:03:47
